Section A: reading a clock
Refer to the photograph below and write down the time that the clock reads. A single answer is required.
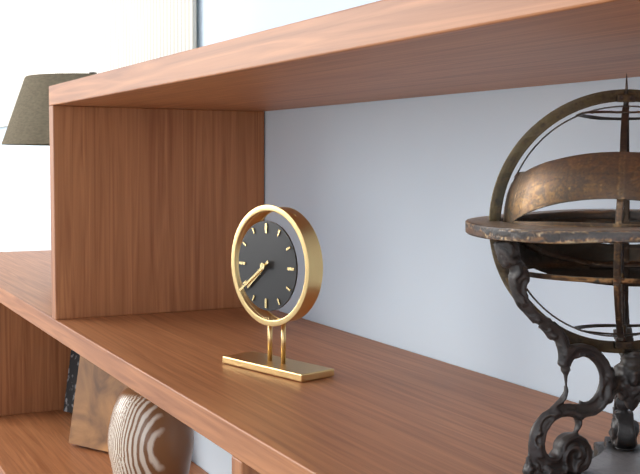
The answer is 7:39
